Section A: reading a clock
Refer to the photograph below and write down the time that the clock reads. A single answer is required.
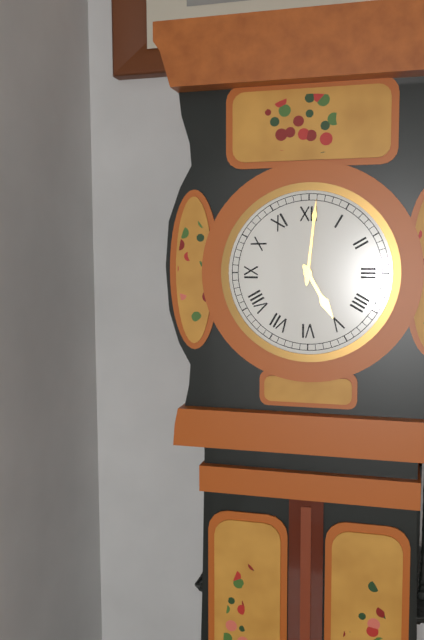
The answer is 5:01
